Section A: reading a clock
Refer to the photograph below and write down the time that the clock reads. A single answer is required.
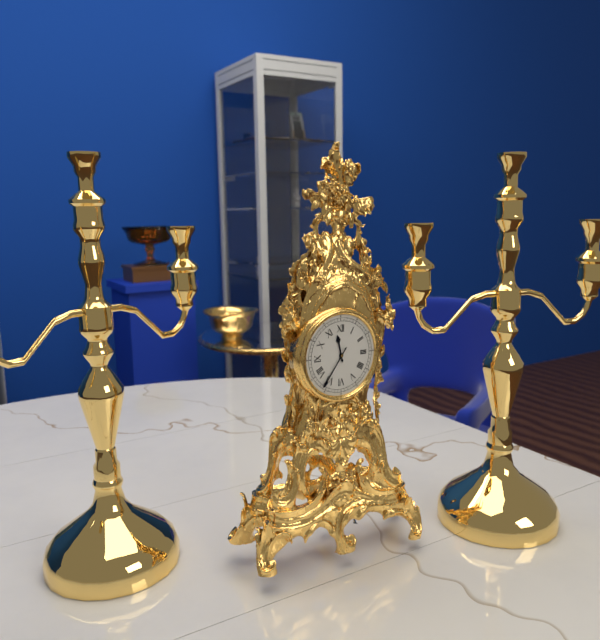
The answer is 11:36
